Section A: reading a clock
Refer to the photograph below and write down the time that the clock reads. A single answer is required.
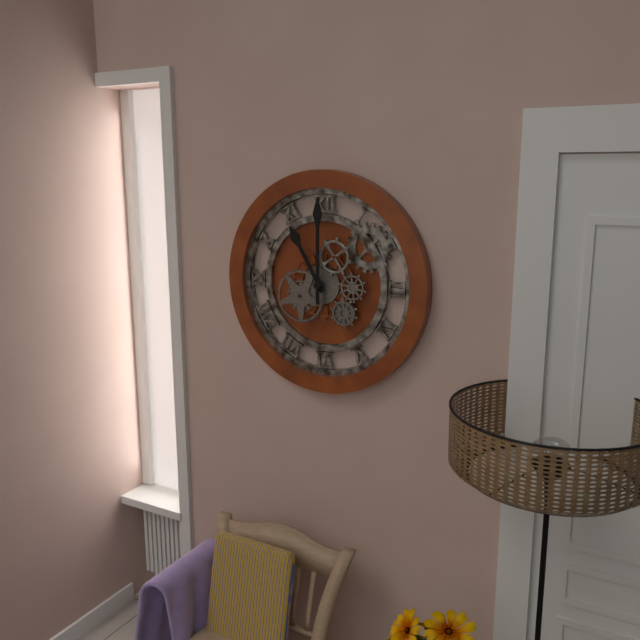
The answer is 11:00
